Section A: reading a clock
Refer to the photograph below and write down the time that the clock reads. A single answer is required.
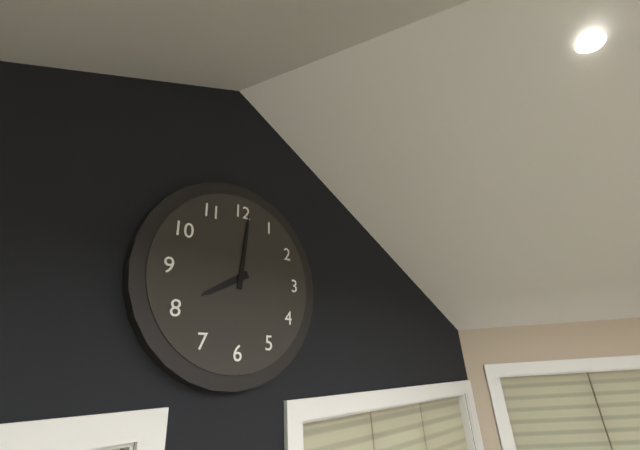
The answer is 8:01
